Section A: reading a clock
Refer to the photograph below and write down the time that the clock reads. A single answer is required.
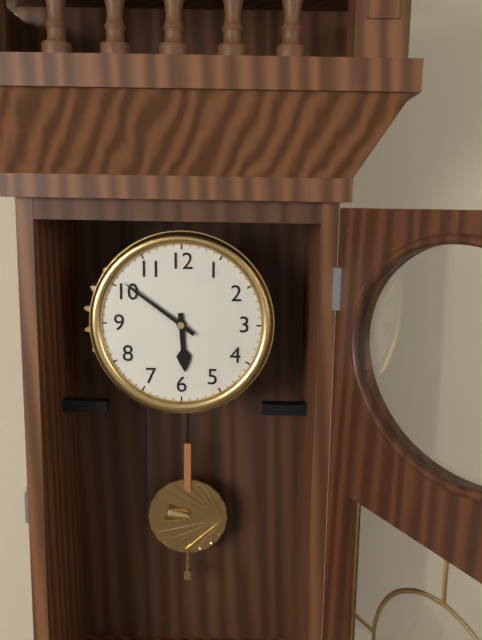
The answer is 5:51
